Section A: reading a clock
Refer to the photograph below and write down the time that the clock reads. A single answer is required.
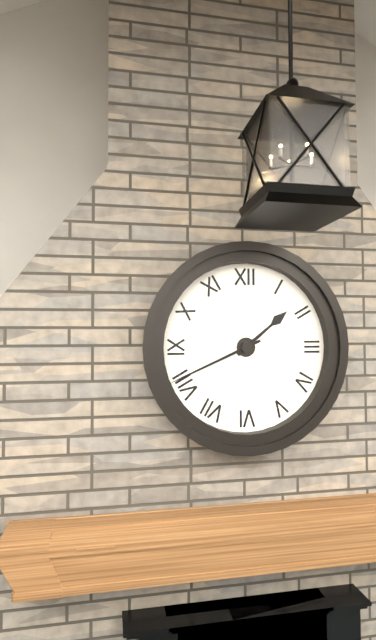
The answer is 1:41
